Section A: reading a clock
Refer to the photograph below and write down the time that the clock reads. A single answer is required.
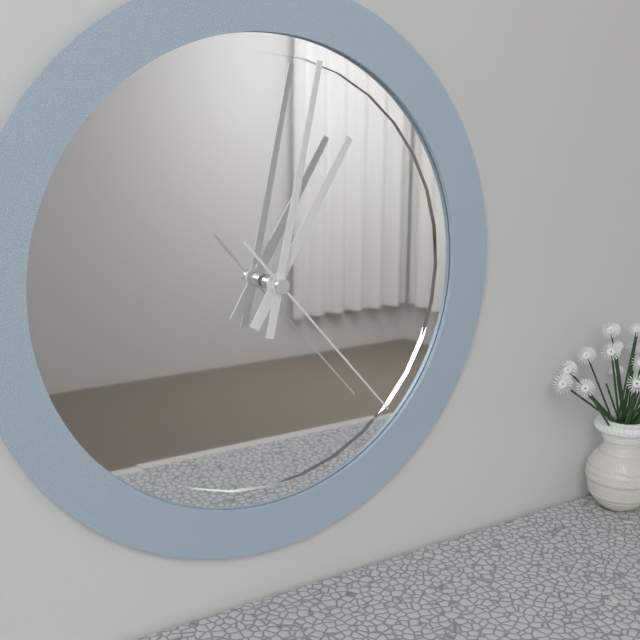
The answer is 1:02:23
